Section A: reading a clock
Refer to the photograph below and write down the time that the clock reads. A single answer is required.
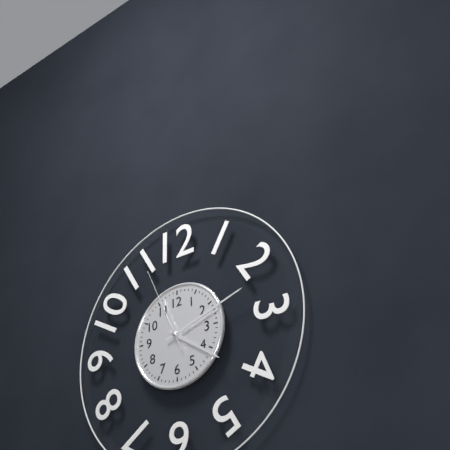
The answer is 4:12:56
